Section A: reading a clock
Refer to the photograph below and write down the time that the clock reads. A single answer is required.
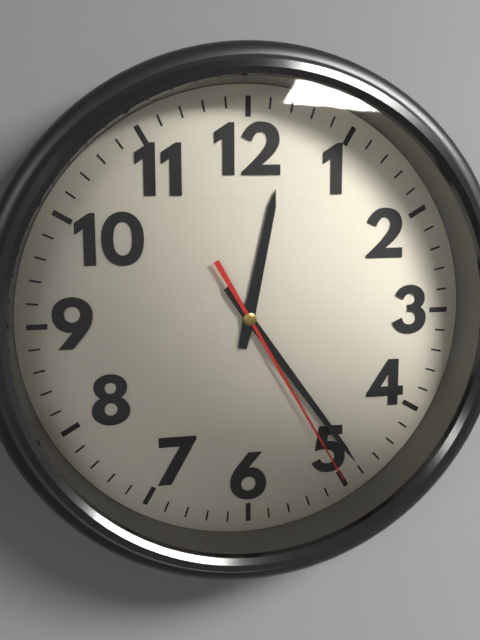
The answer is 12:24:25
